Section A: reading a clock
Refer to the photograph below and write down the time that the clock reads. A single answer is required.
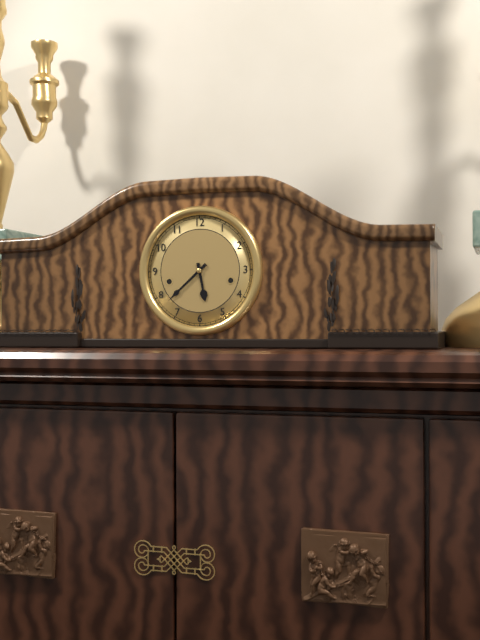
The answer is 5:38
